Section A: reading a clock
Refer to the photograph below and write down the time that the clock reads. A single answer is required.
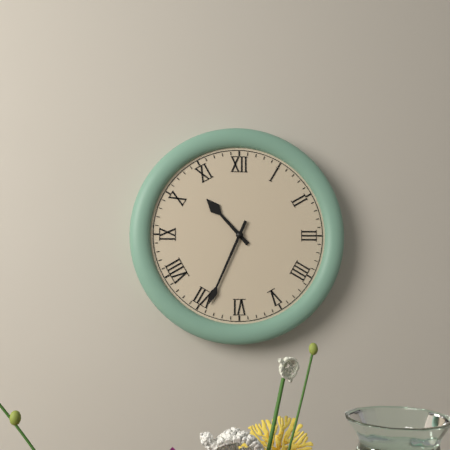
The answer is 10:34
